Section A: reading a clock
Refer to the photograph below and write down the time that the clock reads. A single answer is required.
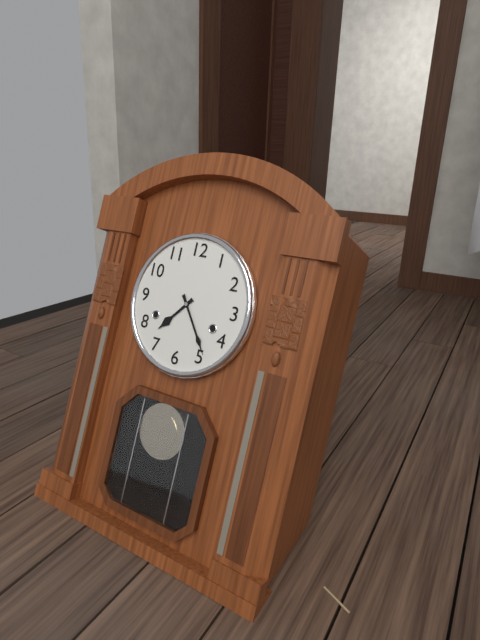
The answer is 7:24
